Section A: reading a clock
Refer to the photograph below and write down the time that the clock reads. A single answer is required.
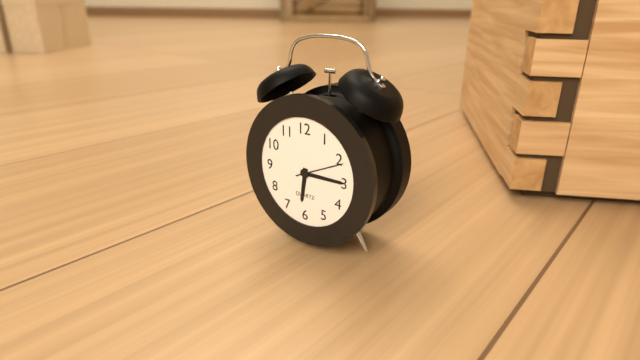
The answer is 6:15:11
